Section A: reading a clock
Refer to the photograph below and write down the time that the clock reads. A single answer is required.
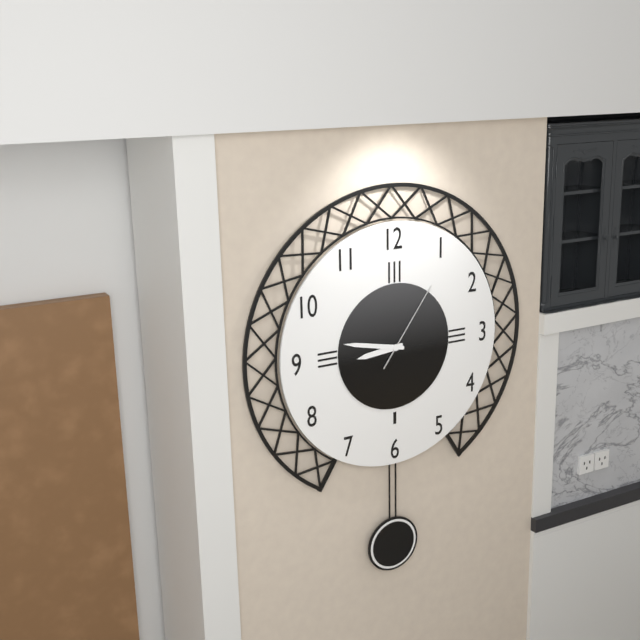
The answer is 8:47:06
